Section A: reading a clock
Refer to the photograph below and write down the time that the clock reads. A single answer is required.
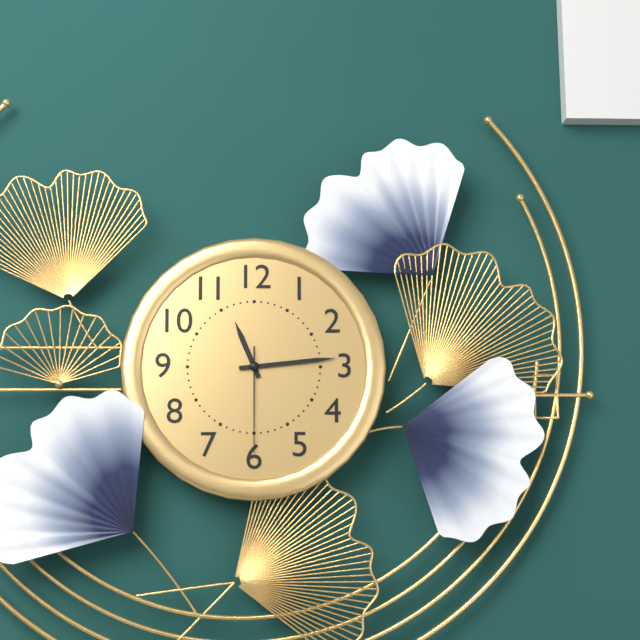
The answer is 11:14:30
